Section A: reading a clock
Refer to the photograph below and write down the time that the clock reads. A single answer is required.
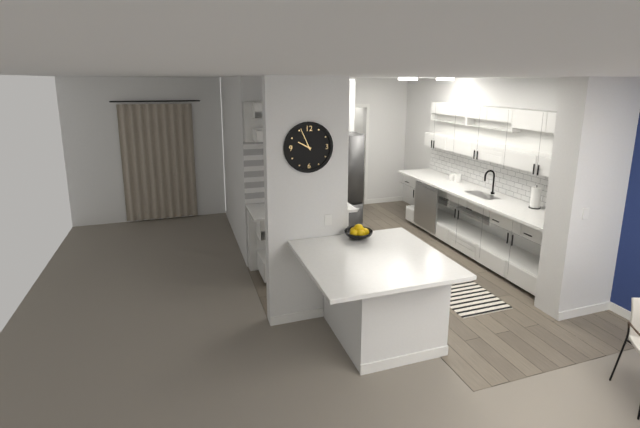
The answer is 9:56
